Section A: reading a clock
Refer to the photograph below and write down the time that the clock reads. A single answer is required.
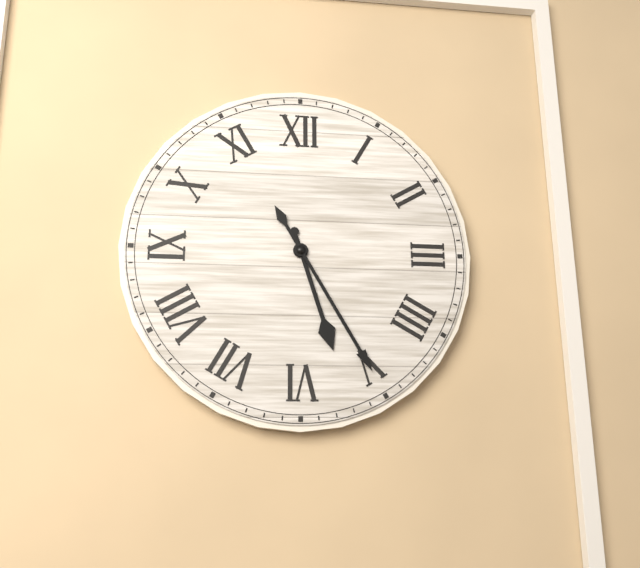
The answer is 5:25
